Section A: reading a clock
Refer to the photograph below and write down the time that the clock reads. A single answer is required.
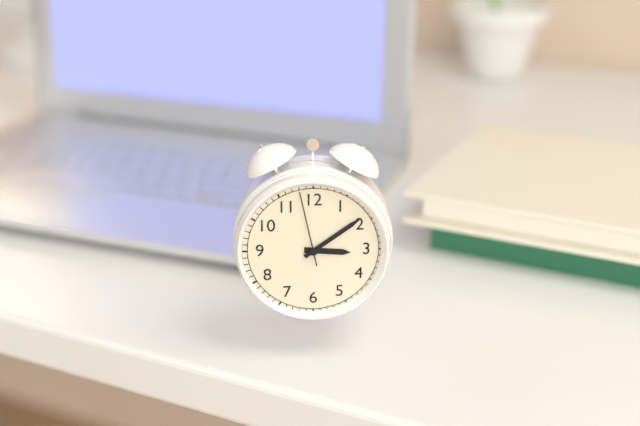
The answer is 3:09:58
